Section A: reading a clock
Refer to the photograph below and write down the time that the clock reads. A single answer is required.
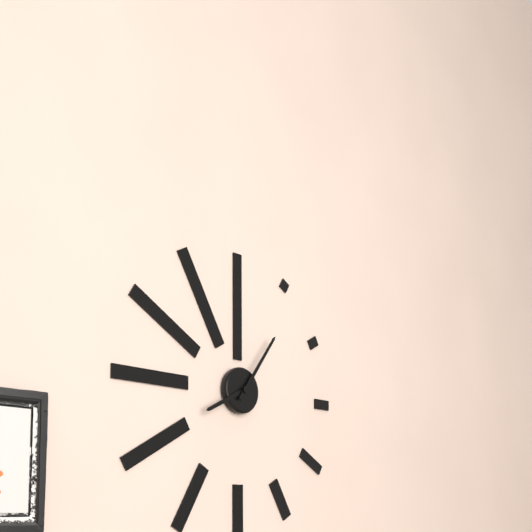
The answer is 8:06
